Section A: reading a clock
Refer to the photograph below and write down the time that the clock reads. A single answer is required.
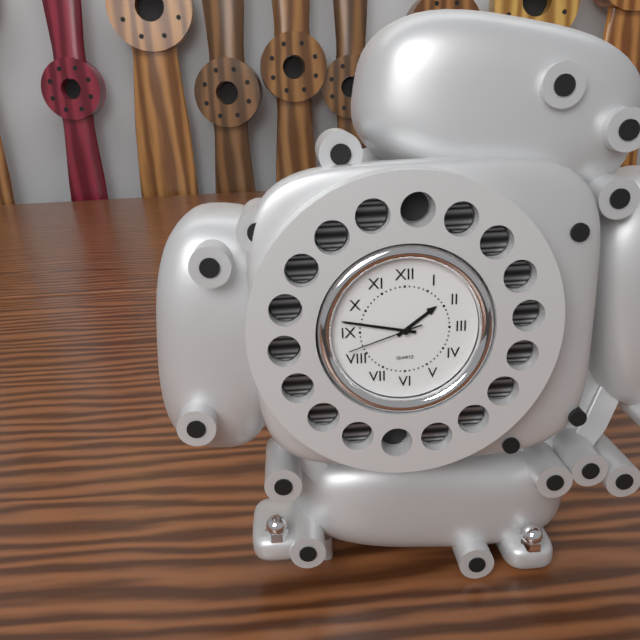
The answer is 1:47:42
